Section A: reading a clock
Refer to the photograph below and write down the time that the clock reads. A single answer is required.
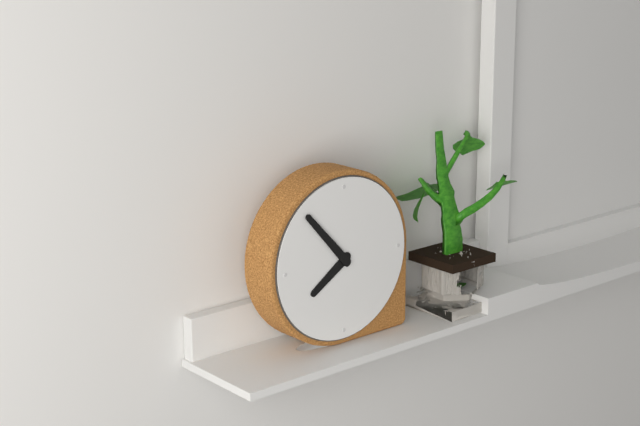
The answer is 7:53
